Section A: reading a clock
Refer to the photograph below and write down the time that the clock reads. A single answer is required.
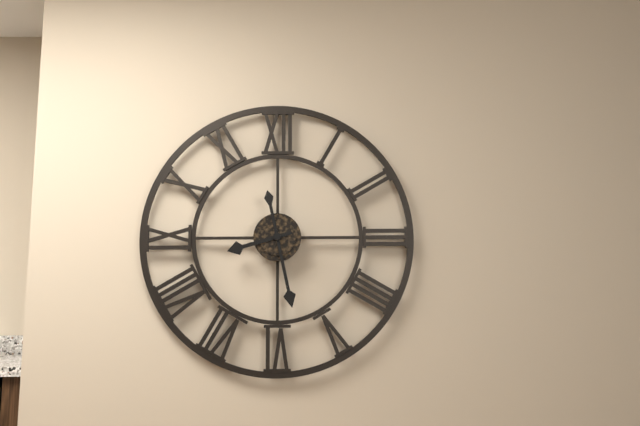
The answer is 8:28
